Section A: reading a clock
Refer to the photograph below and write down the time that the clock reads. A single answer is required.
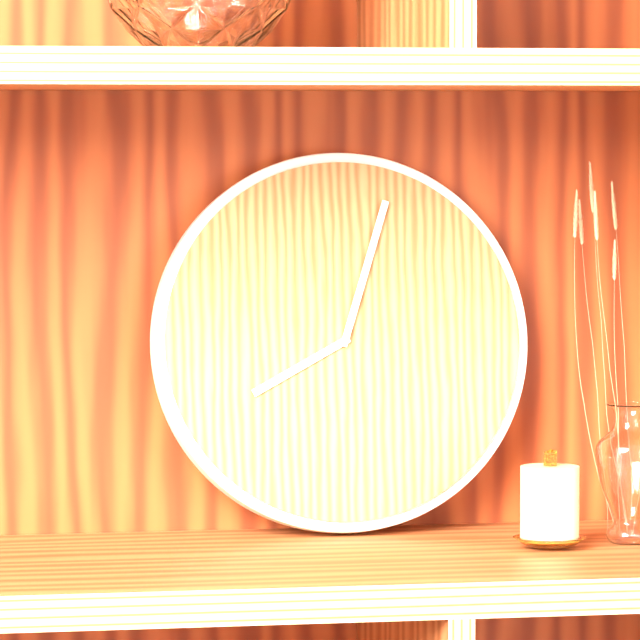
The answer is 8:03
